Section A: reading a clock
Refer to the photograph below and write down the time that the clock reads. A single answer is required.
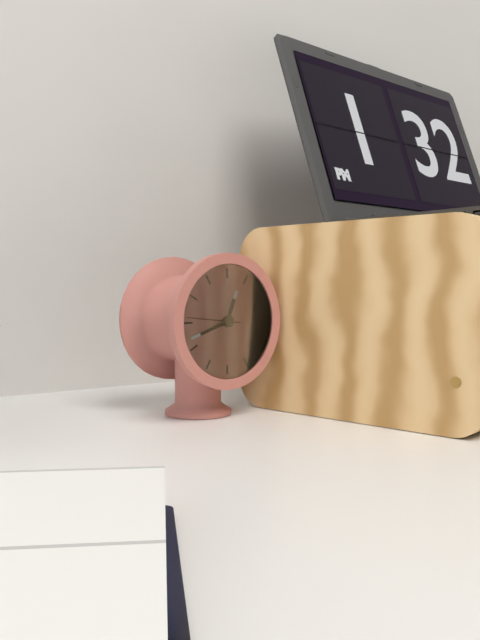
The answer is 12:42:46
